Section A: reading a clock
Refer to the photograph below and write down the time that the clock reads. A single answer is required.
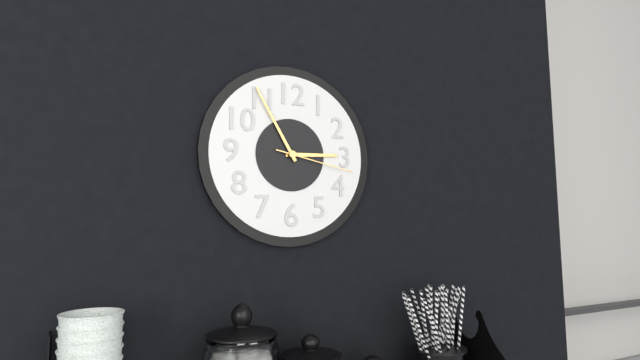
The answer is 2:55:17
